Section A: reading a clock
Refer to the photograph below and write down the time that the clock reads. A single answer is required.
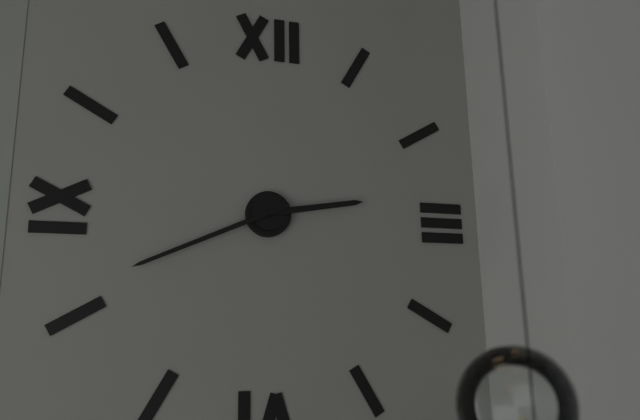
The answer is 2:41
